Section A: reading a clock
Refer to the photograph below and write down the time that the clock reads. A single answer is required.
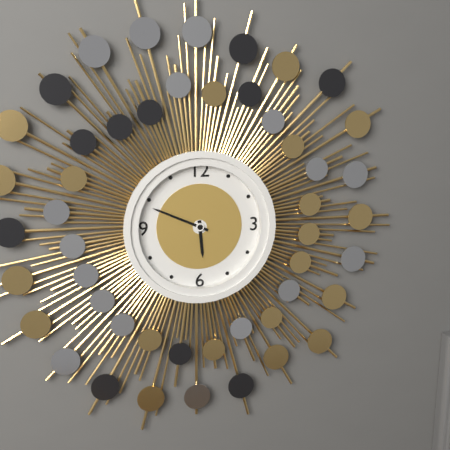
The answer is 5:49
